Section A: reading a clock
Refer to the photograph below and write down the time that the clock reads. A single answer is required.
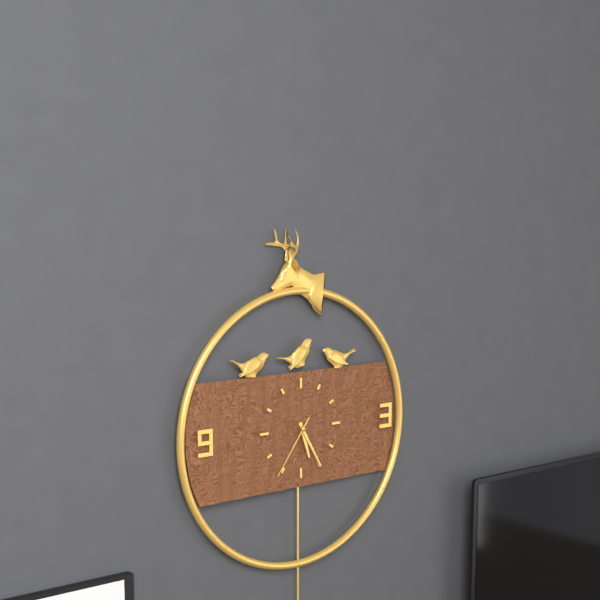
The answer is 5:25:36
